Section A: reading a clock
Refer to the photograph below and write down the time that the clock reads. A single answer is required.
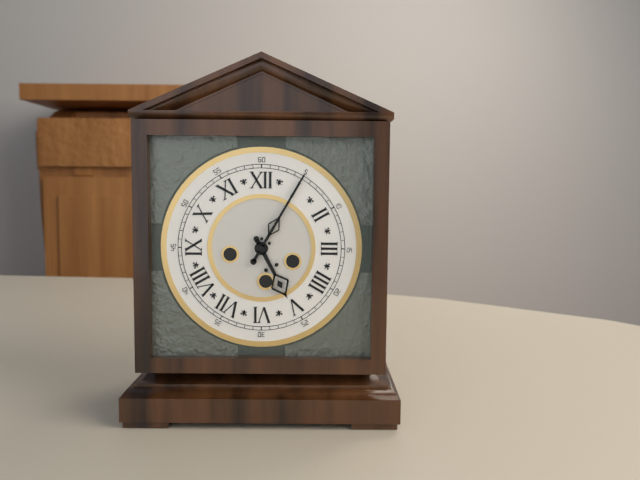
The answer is 5:05
